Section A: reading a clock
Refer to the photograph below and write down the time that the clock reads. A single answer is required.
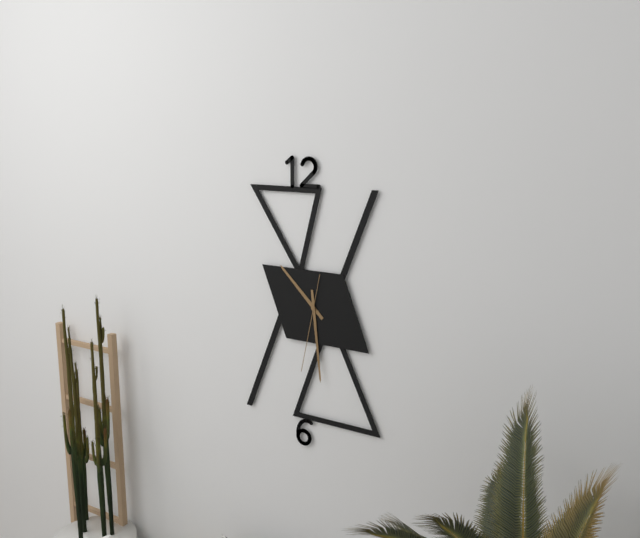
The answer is 10:29:32
